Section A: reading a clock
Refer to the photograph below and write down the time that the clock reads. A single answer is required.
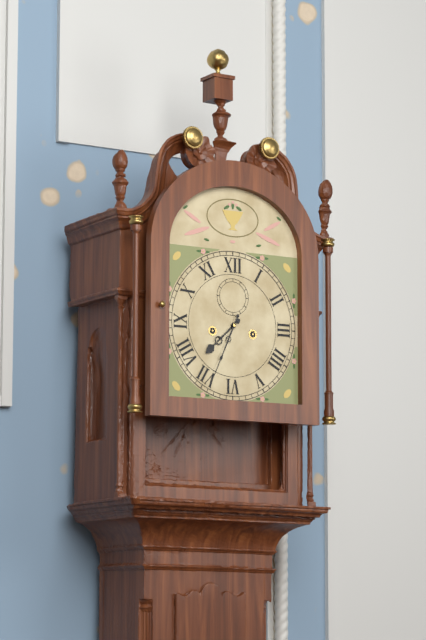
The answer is 7:34
